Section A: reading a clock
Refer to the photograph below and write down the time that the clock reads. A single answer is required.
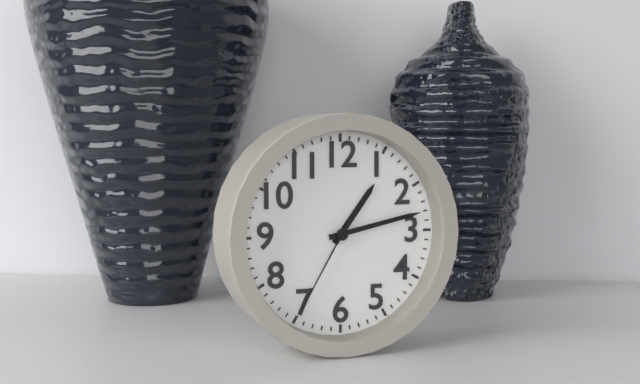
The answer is 1:13:35
